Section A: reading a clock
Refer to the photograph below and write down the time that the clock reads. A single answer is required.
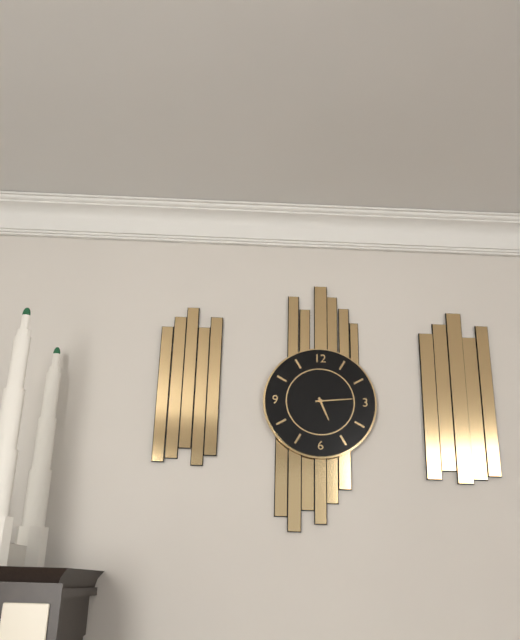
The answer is 5:14
